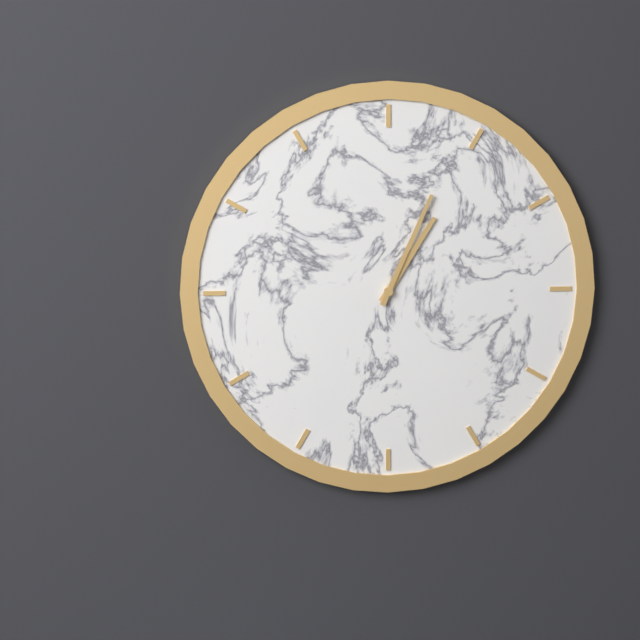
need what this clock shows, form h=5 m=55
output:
h=1 m=4
